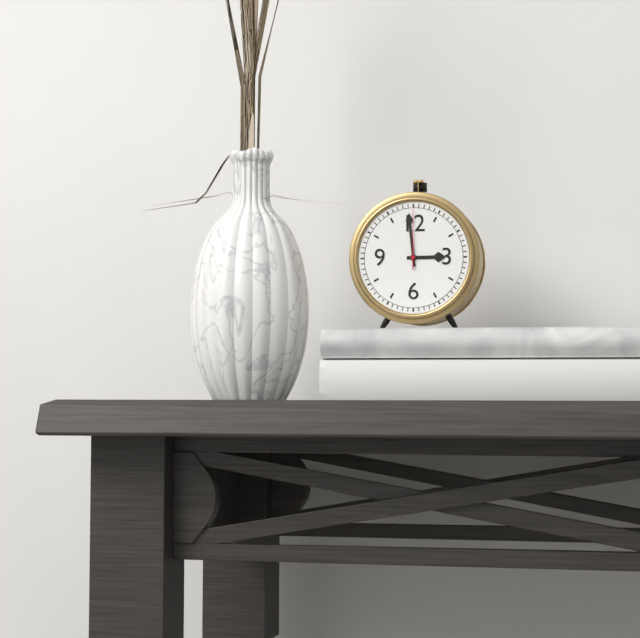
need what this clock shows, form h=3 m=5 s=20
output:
h=2 m=59 s=0
